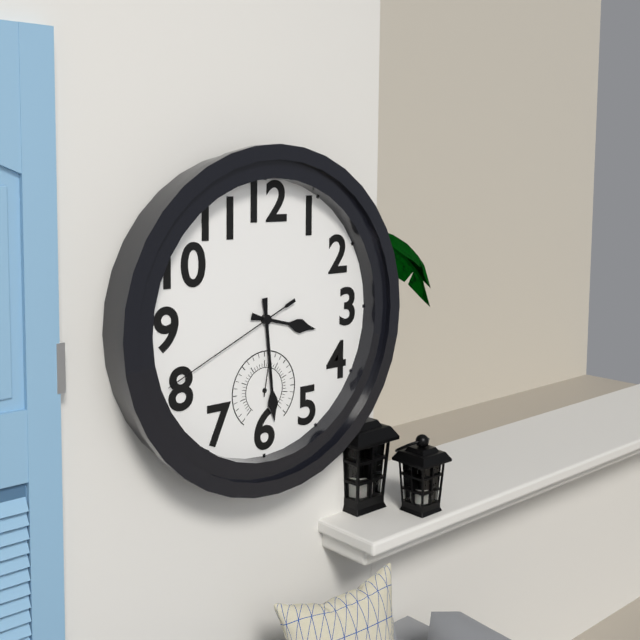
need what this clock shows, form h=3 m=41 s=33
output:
h=3 m=29 s=41
